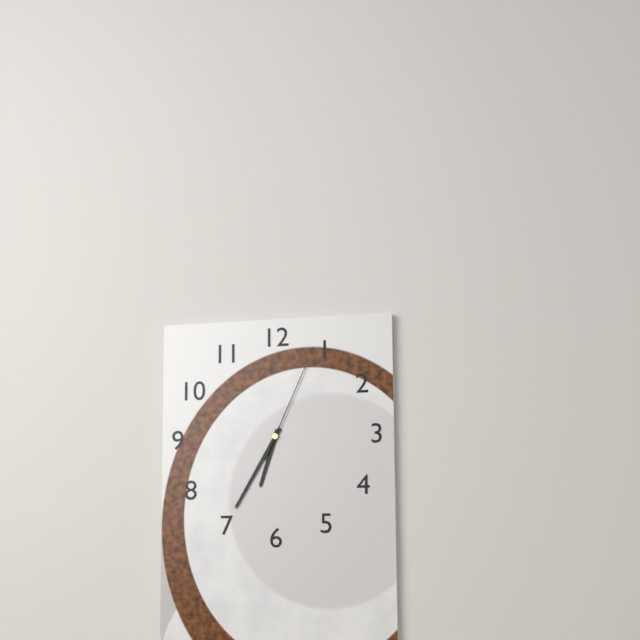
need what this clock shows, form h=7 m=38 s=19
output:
h=6 m=35 s=4
